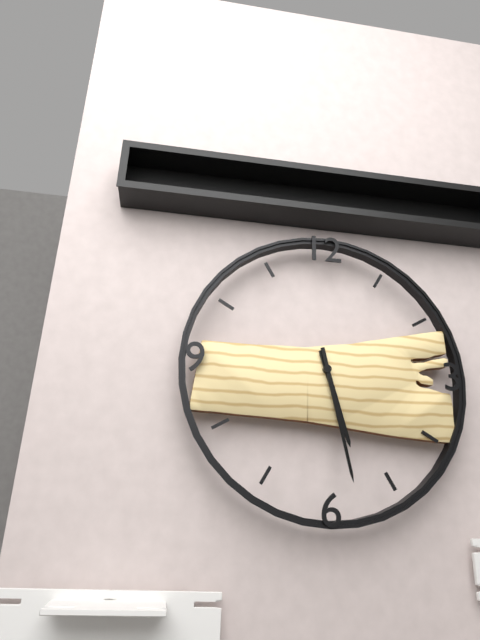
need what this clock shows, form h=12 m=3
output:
h=5 m=28
